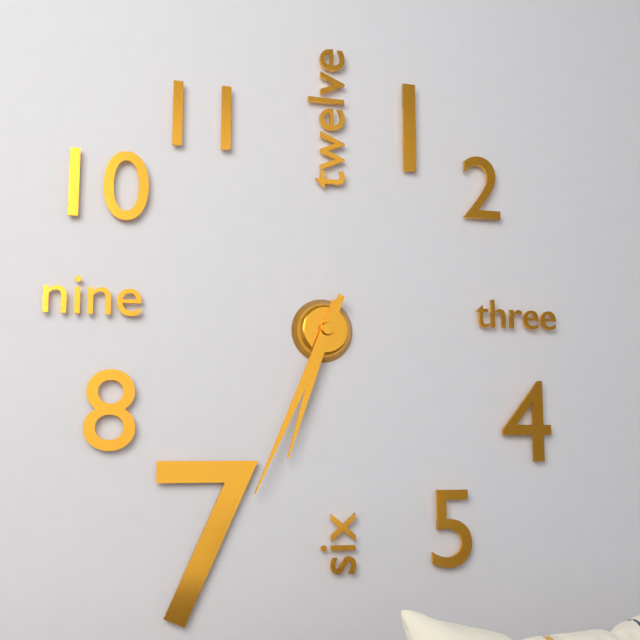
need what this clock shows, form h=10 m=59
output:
h=6 m=34
